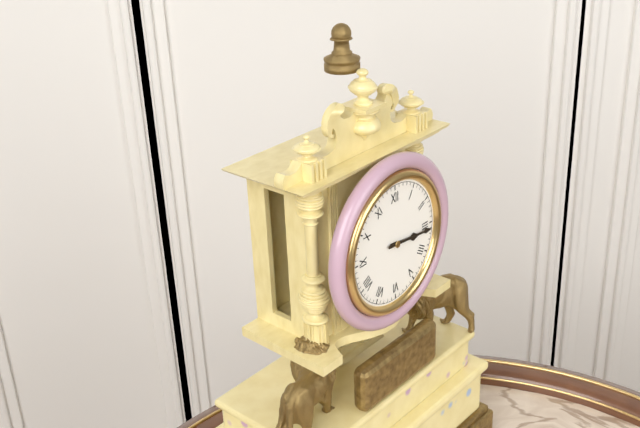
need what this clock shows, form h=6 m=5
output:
h=3 m=16
